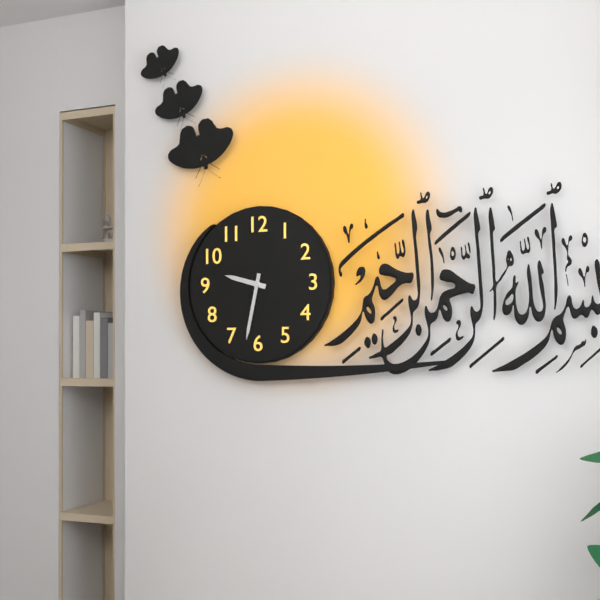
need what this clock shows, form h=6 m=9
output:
h=9 m=32
